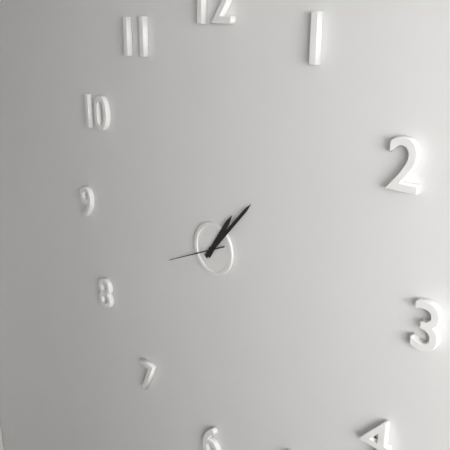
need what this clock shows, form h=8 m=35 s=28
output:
h=1 m=7 s=41
